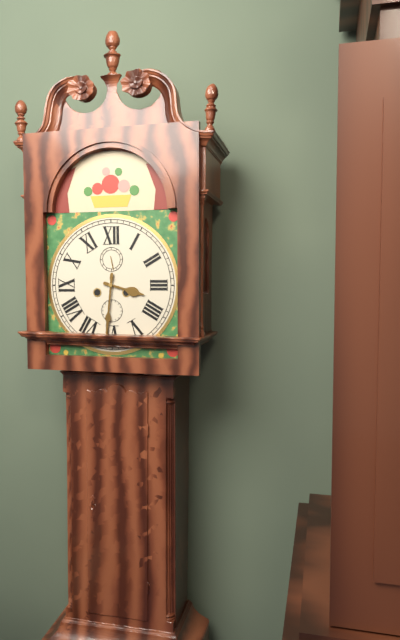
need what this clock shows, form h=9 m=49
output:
h=3 m=31
